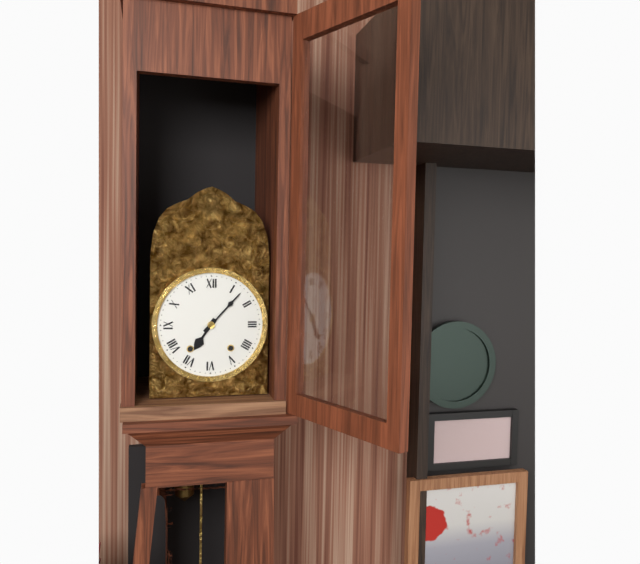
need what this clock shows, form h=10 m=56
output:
h=7 m=7
